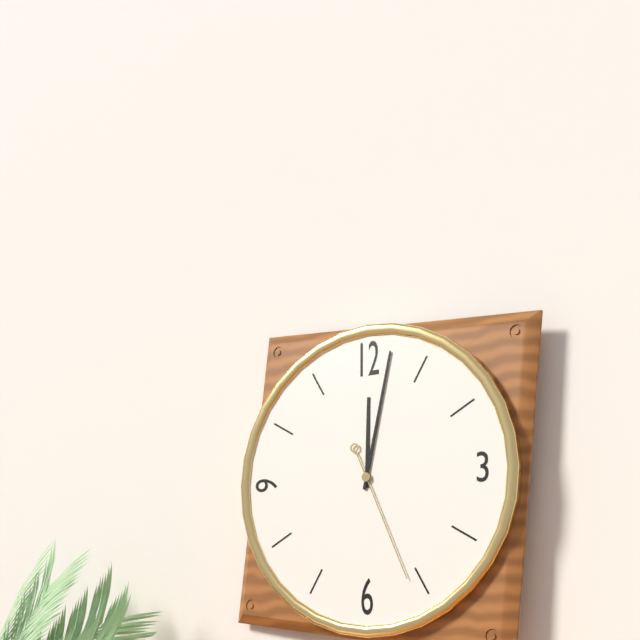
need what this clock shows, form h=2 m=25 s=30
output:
h=12 m=2 s=26
